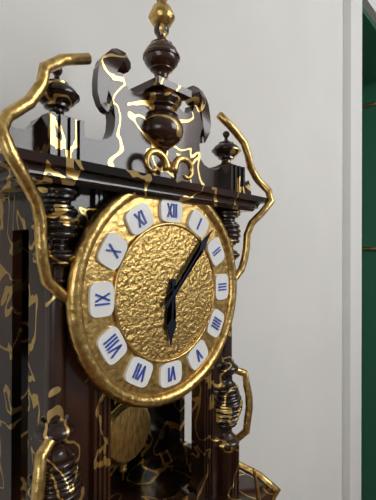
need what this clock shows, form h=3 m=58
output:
h=6 m=7
